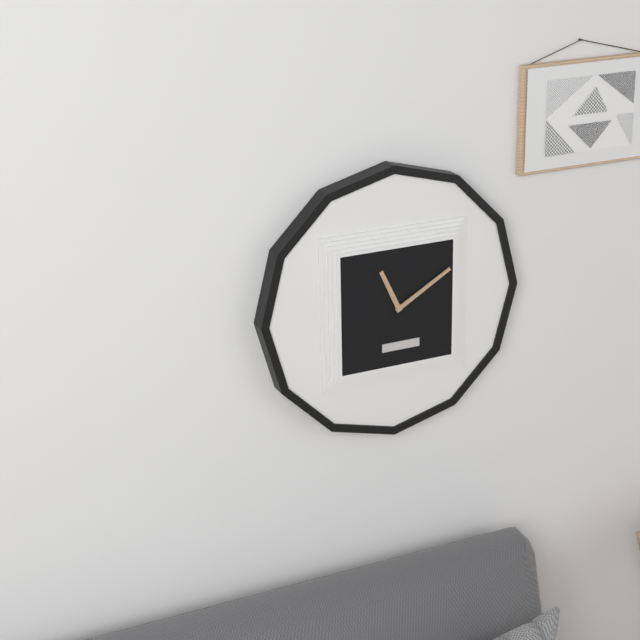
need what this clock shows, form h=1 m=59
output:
h=11 m=10
